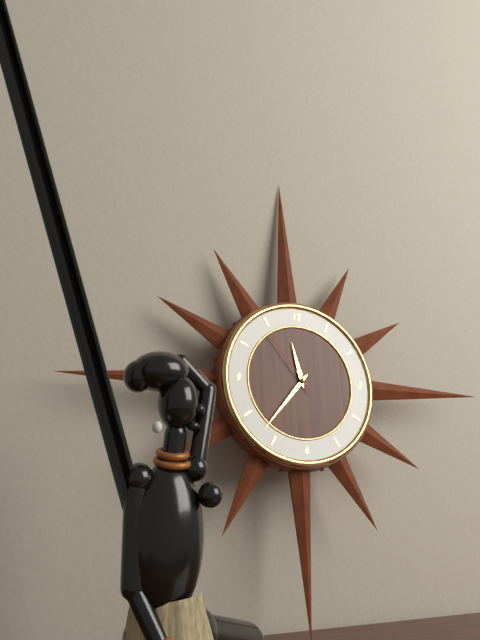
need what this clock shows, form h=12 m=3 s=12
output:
h=11 m=37 s=54
